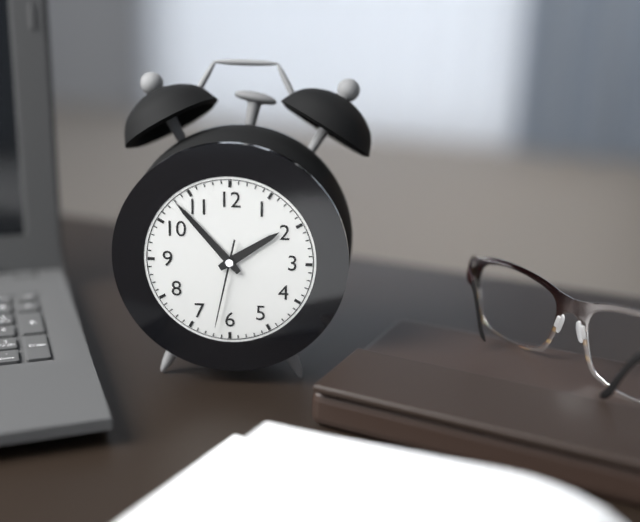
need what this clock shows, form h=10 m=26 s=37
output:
h=1 m=53 s=32
